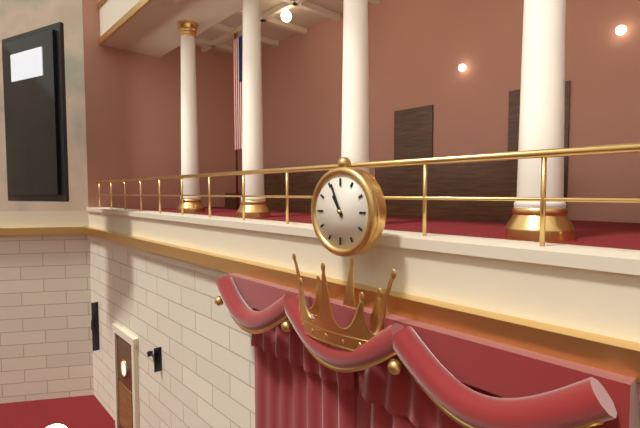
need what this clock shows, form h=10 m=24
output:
h=10 m=56
